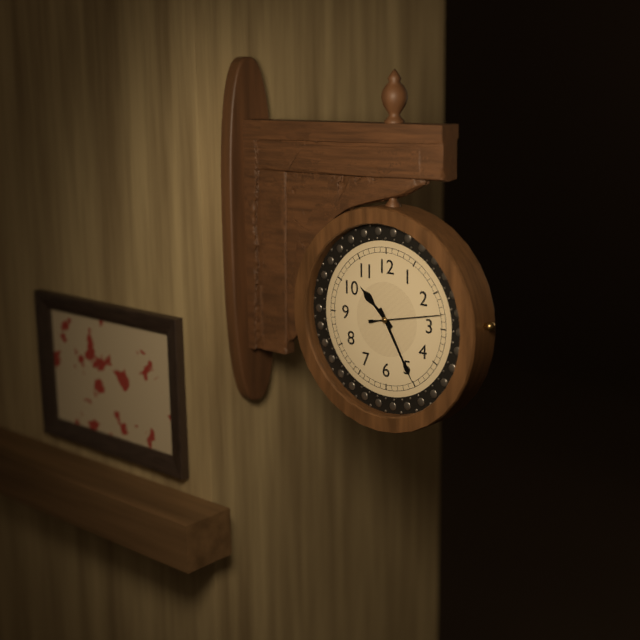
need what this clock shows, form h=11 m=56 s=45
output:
h=10 m=25 s=13
